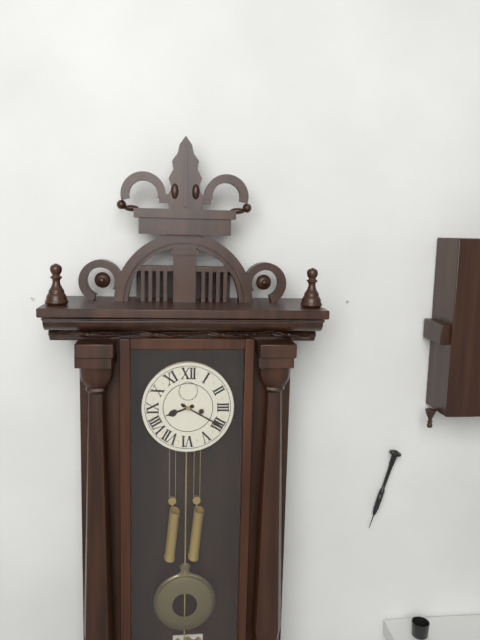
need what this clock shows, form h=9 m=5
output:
h=8 m=20
